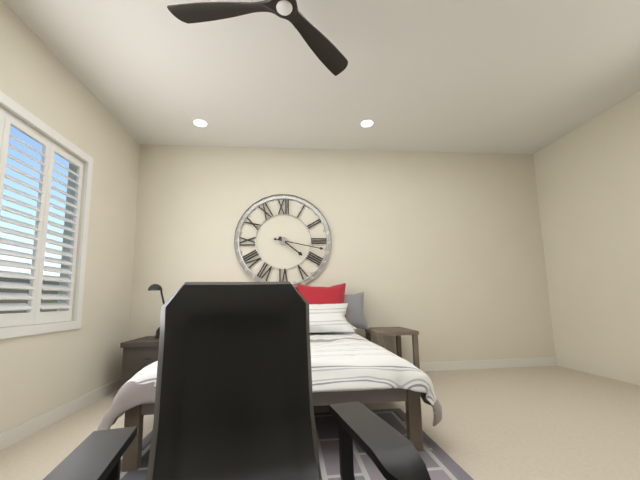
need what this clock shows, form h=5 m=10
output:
h=4 m=17
